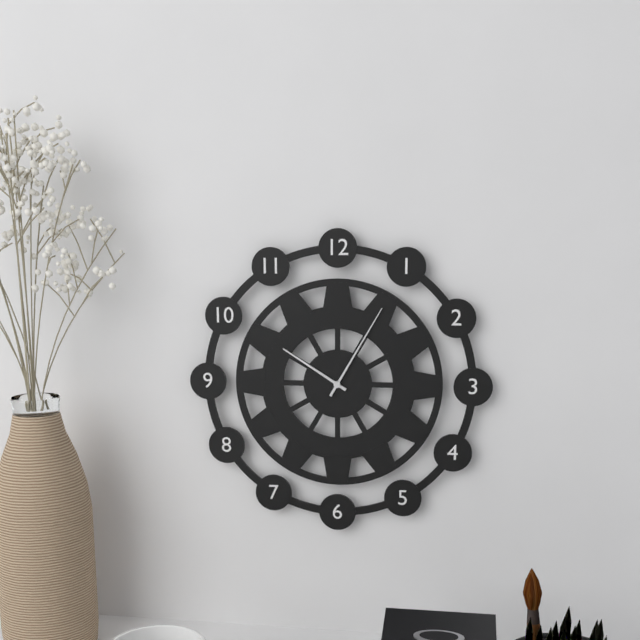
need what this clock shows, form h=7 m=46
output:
h=10 m=5
